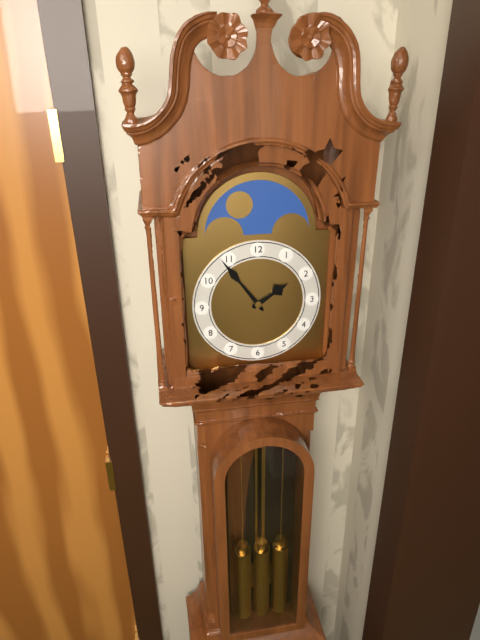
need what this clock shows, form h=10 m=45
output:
h=1 m=54
